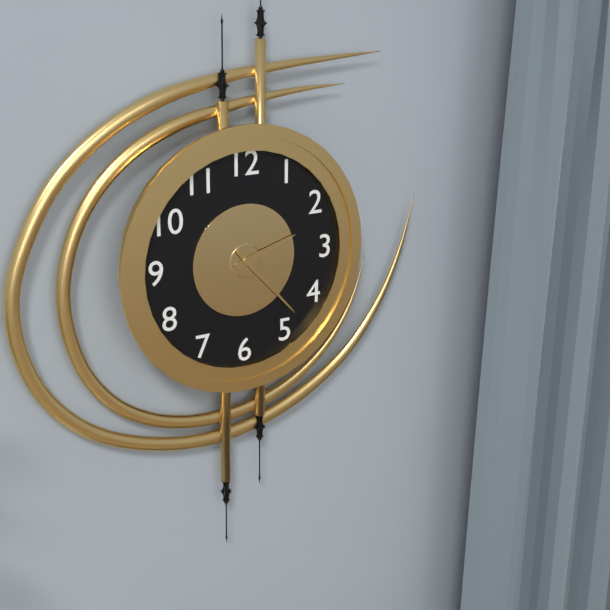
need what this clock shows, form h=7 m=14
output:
h=2 m=23
